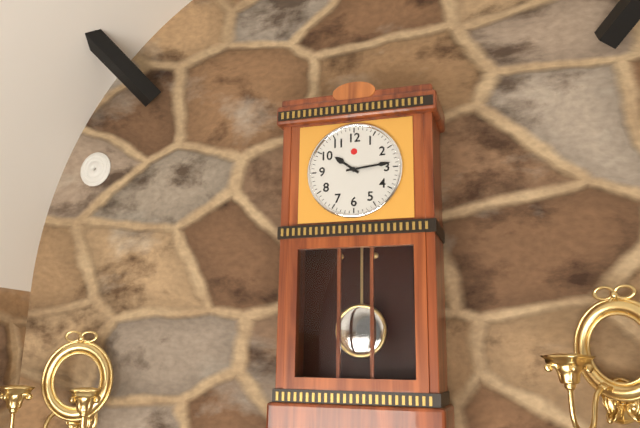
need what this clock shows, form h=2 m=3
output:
h=10 m=14
